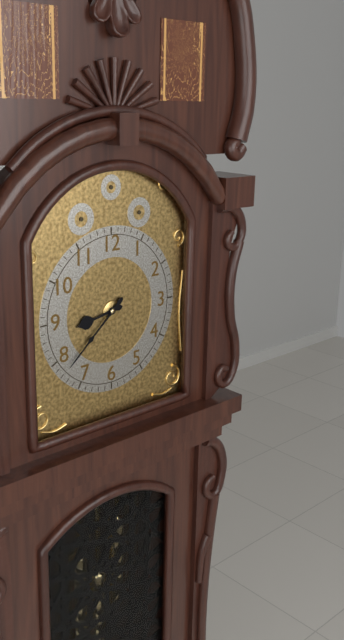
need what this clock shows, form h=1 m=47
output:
h=8 m=38
